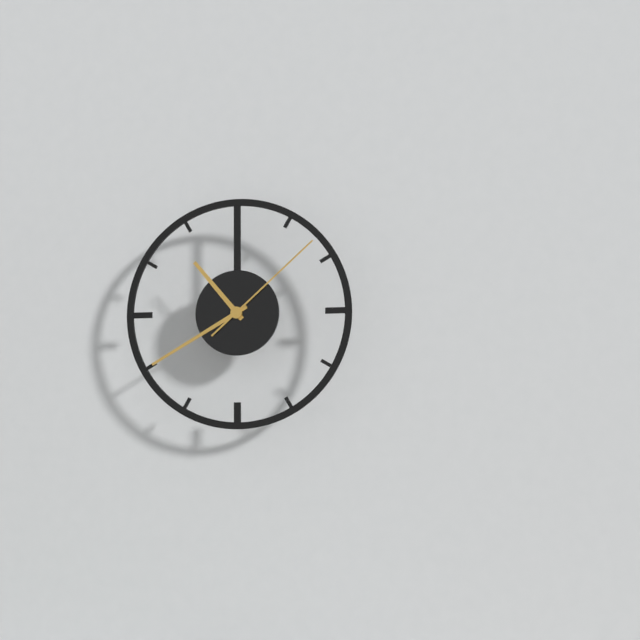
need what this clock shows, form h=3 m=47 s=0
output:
h=10 m=40 s=8
